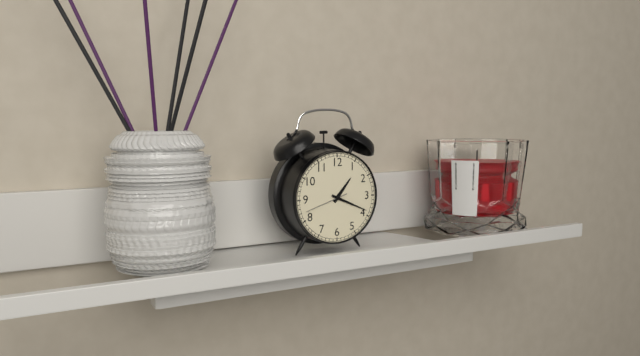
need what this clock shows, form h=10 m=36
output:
h=1 m=19
